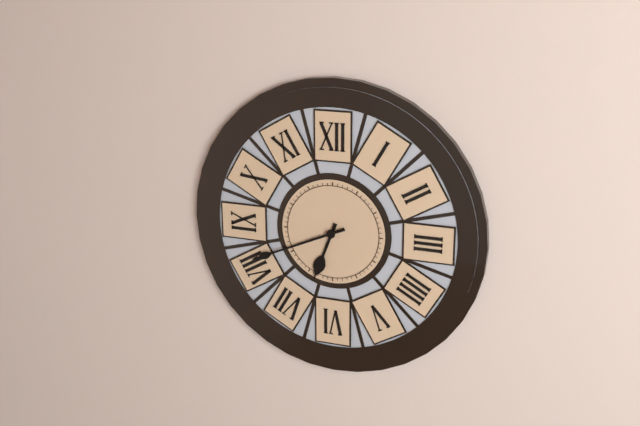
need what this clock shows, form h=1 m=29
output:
h=6 m=41
